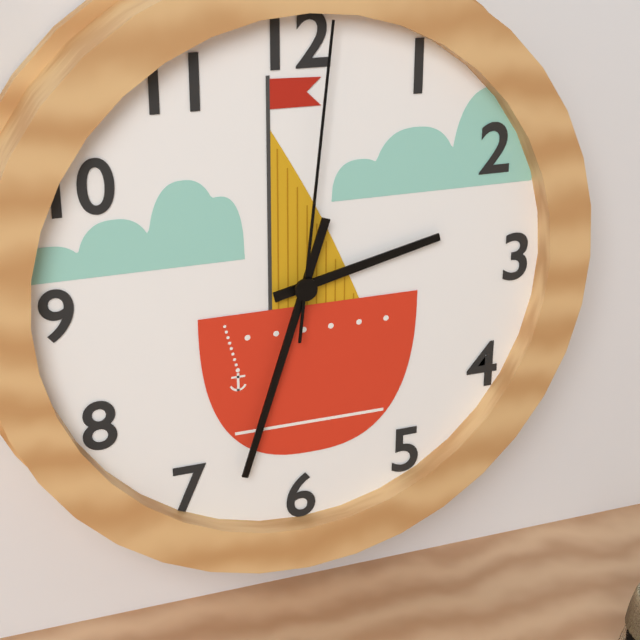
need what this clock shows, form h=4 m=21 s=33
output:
h=2 m=33 s=1
